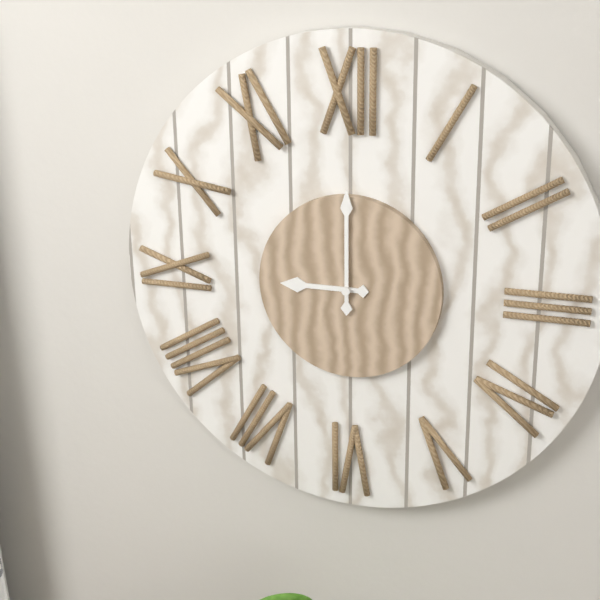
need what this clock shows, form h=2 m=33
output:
h=9 m=0
